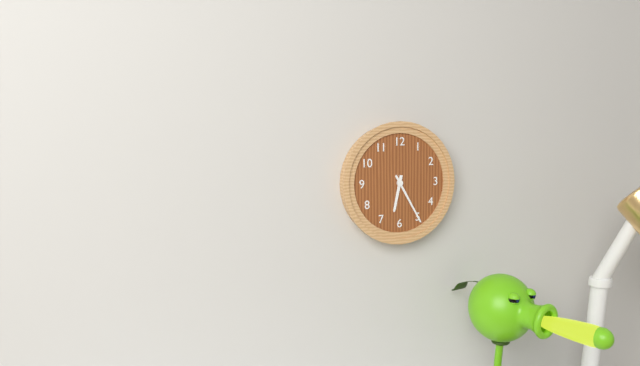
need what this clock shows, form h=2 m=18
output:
h=6 m=25
